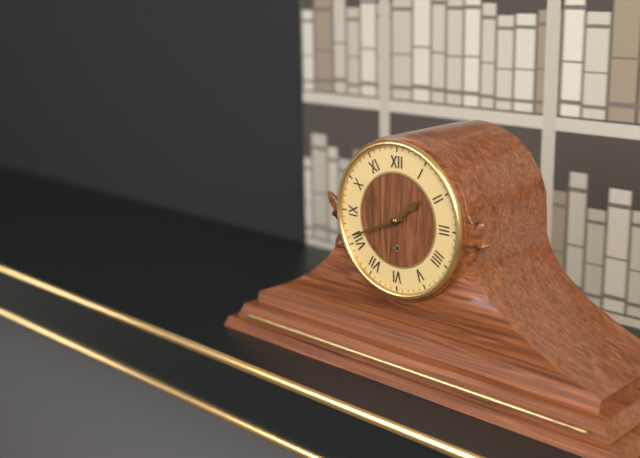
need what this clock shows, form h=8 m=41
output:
h=1 m=41
